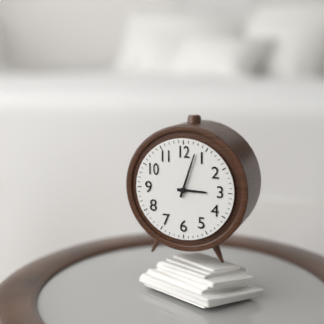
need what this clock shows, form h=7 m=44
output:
h=3 m=3
